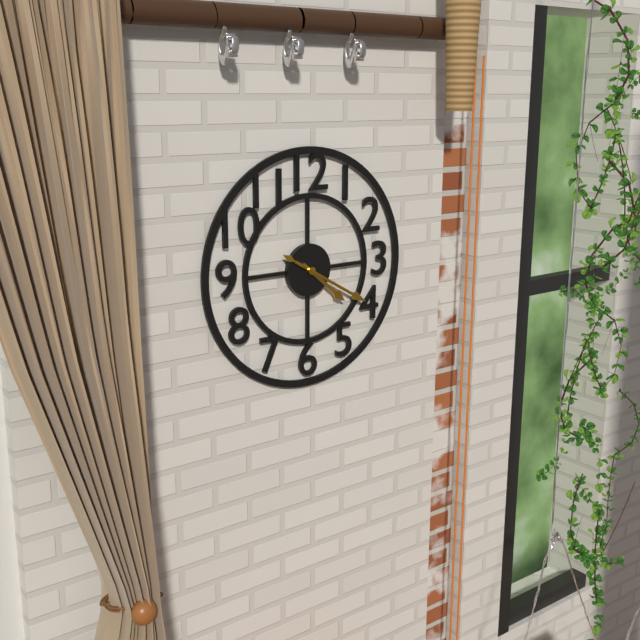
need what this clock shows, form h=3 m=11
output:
h=4 m=20
